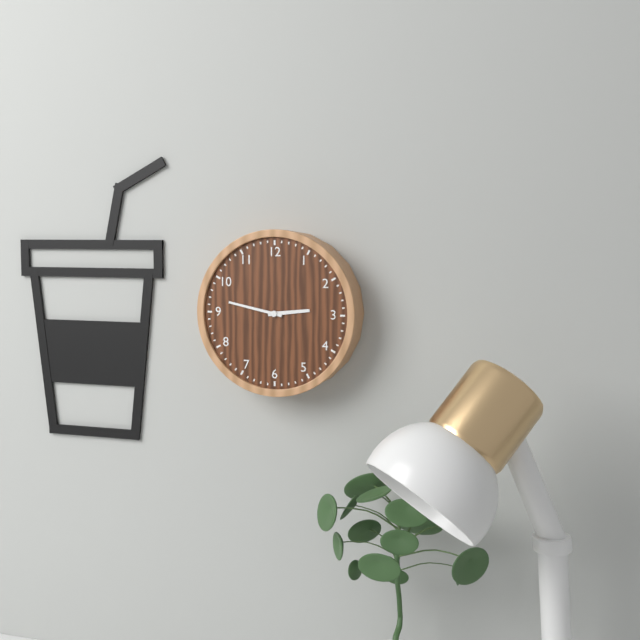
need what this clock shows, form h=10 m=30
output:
h=2 m=47
